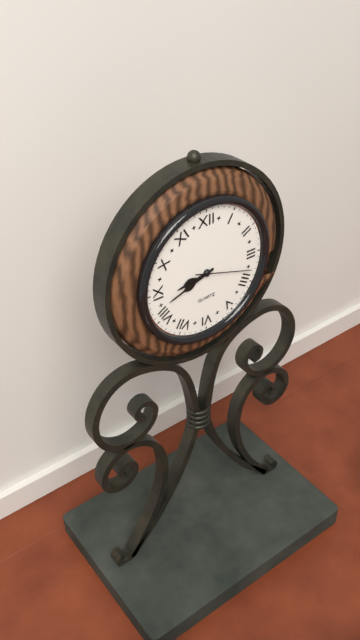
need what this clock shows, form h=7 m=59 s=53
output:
h=8 m=42 s=18
